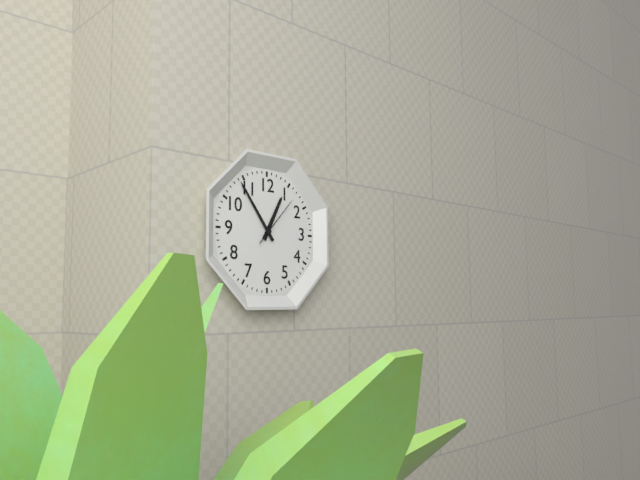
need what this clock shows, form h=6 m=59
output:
h=12 m=54
